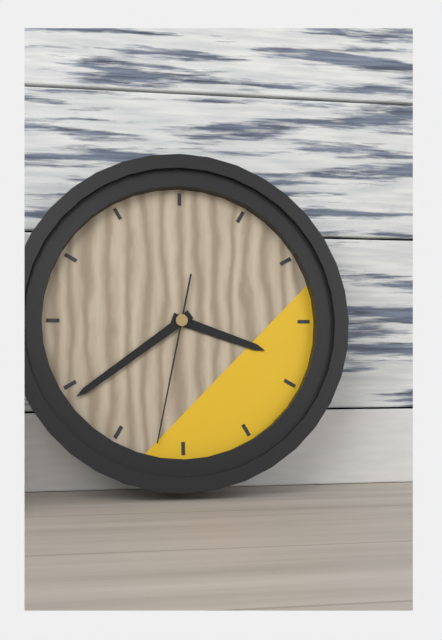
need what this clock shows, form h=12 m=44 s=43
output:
h=3 m=39 s=32
